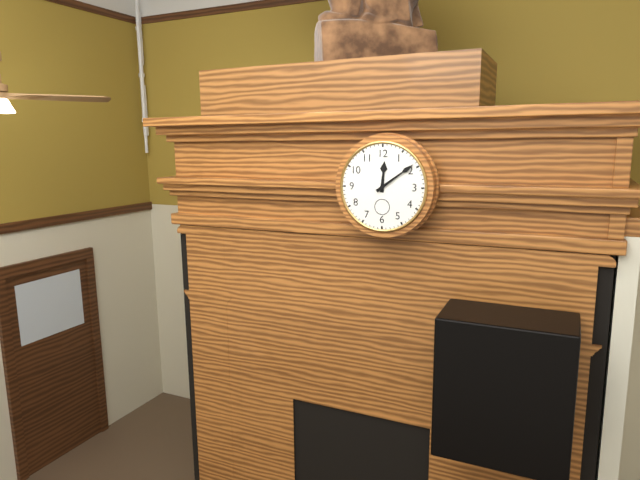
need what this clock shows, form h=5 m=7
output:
h=12 m=9
